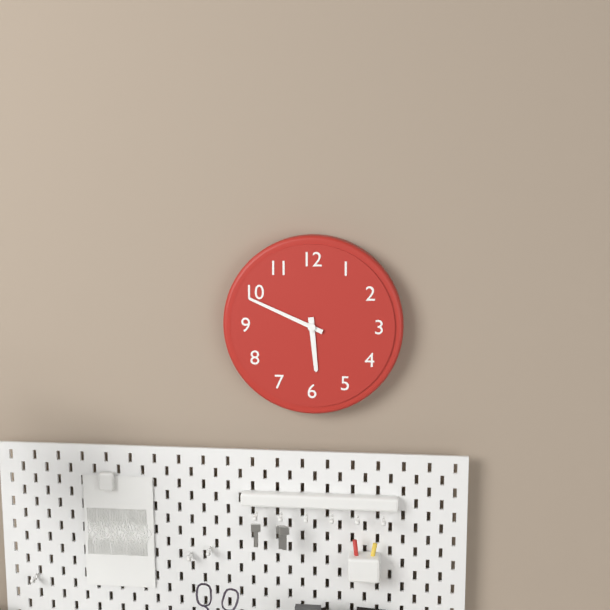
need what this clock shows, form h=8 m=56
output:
h=5 m=49
